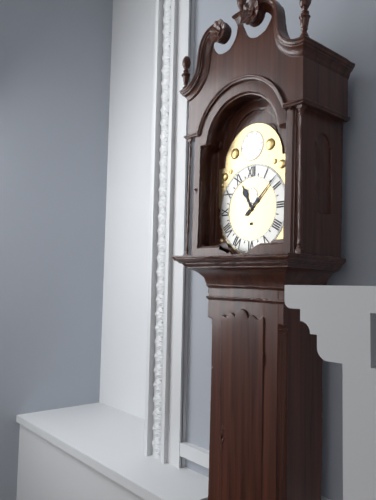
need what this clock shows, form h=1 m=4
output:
h=11 m=8
